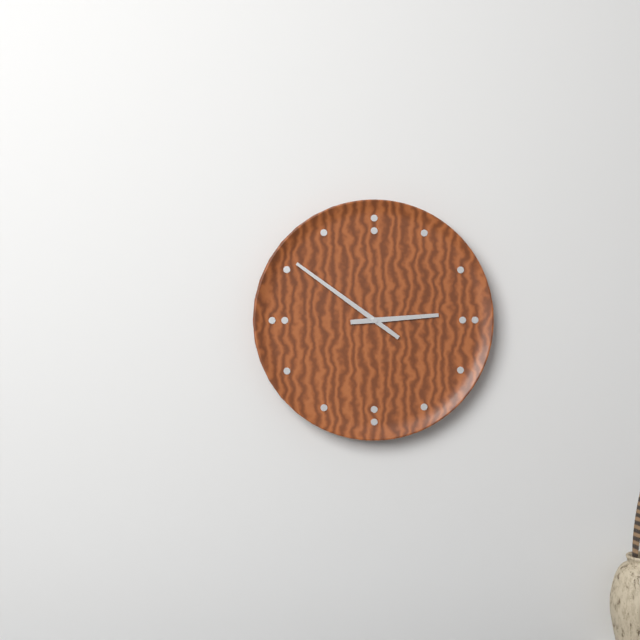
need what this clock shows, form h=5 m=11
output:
h=2 m=51
